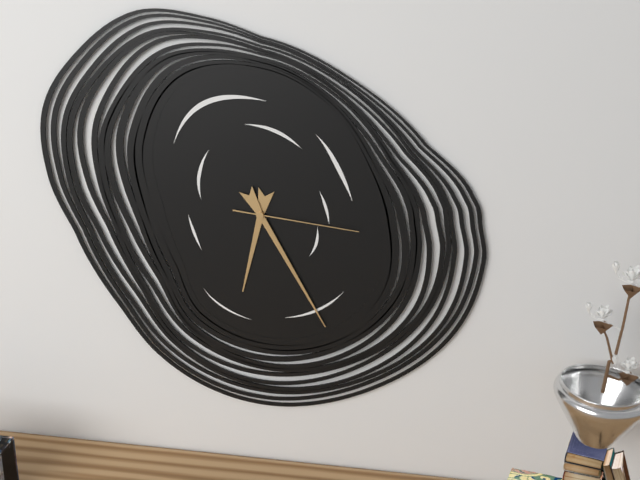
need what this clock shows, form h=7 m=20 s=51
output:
h=6 m=25 s=16
